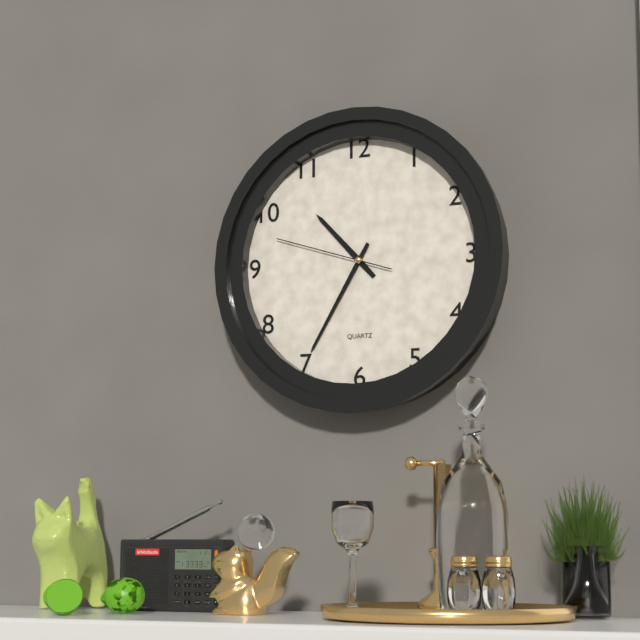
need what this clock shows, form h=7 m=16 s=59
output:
h=10 m=35 s=48
